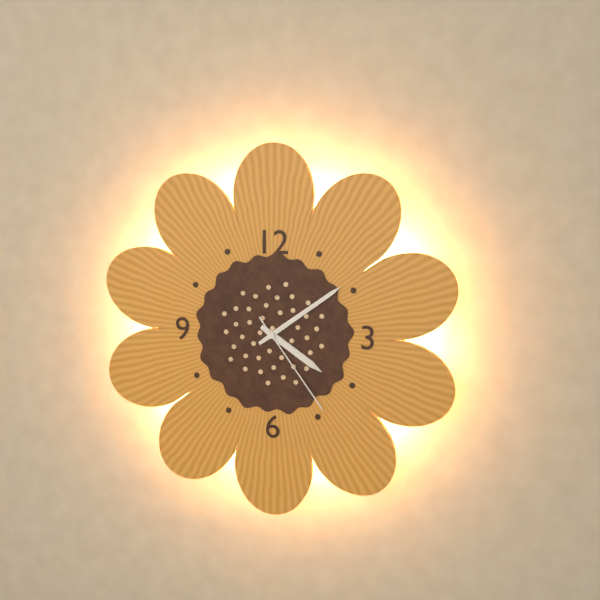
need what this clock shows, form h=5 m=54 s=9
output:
h=4 m=9 s=24
